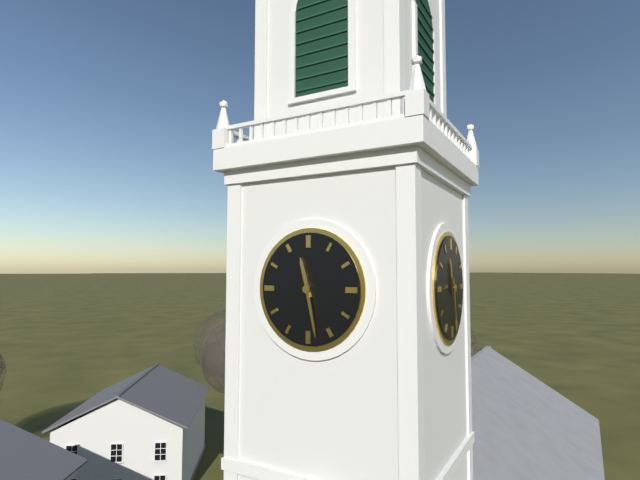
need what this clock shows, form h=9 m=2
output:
h=11 m=28
